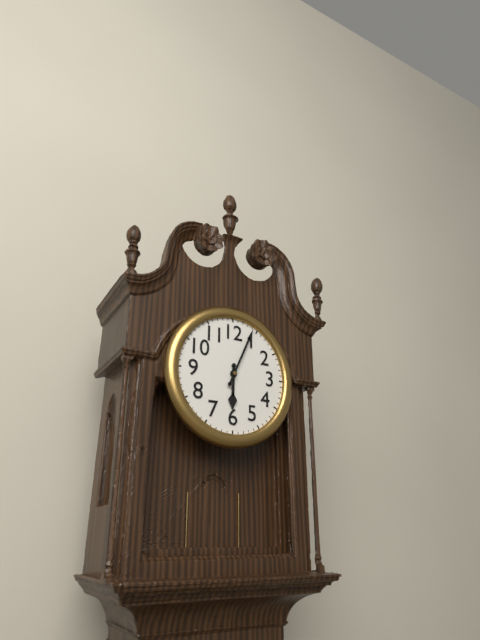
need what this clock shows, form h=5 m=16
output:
h=6 m=4
